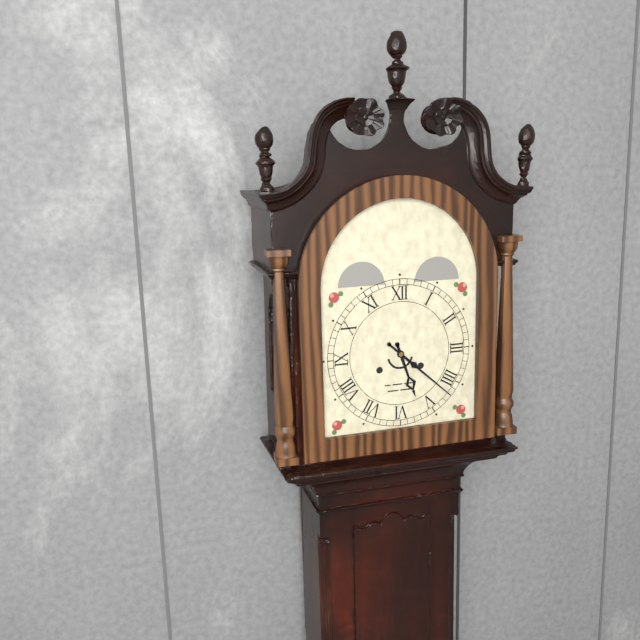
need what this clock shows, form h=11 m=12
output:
h=5 m=22
